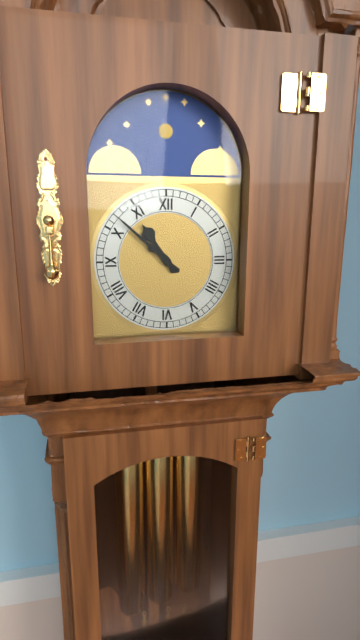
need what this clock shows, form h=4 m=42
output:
h=10 m=52
